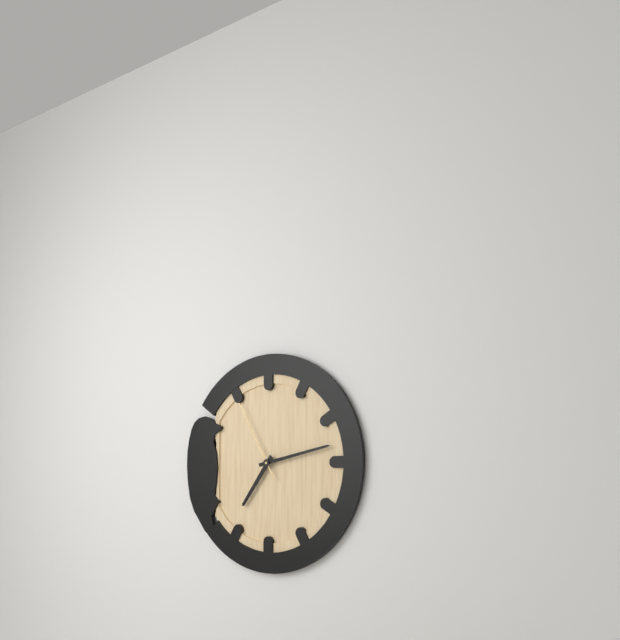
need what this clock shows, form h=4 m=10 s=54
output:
h=7 m=13 s=55
